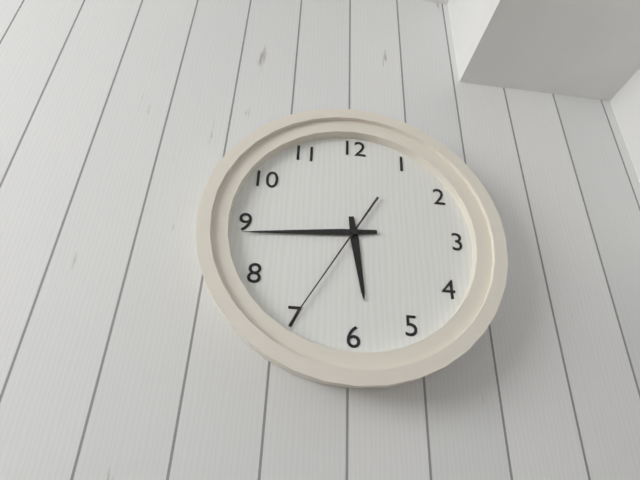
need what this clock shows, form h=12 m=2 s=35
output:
h=5 m=44 s=35
